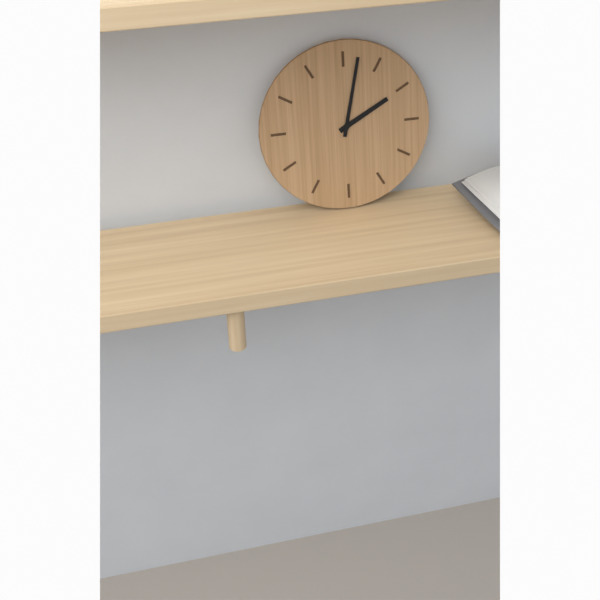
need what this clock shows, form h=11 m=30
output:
h=2 m=2
